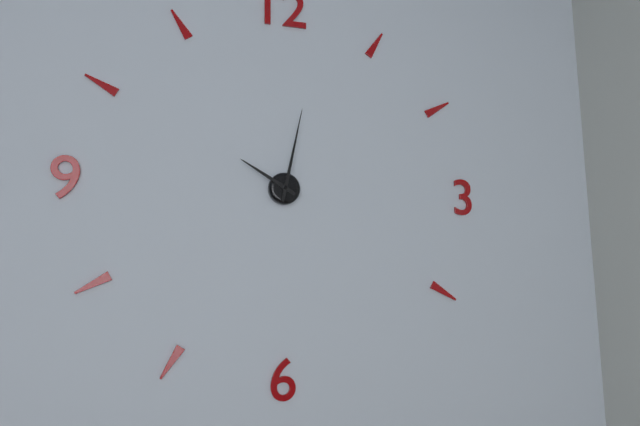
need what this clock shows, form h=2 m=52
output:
h=10 m=2
